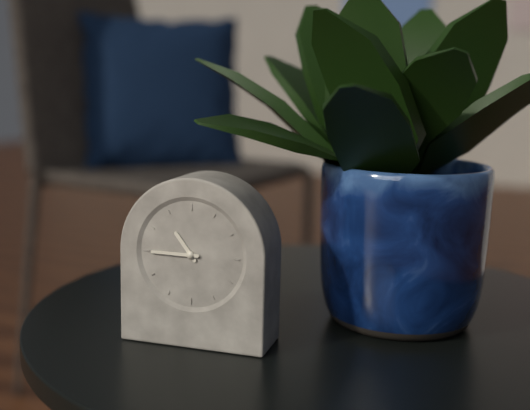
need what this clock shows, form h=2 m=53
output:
h=10 m=45
